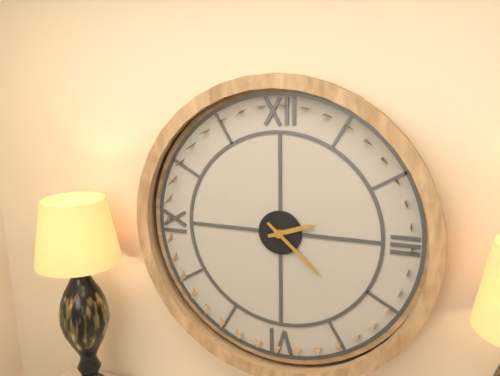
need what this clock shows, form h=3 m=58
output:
h=2 m=22
